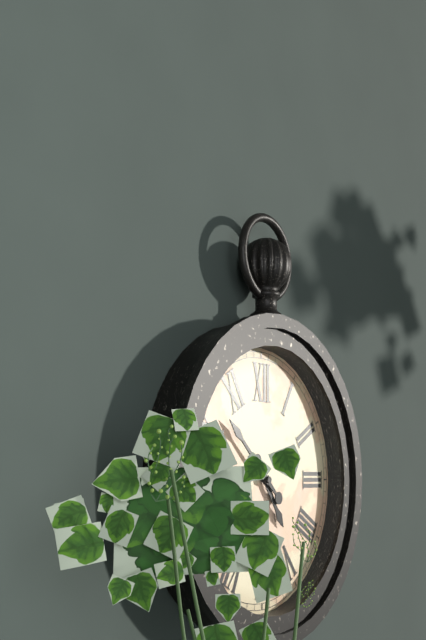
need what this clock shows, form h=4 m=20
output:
h=4 m=52
